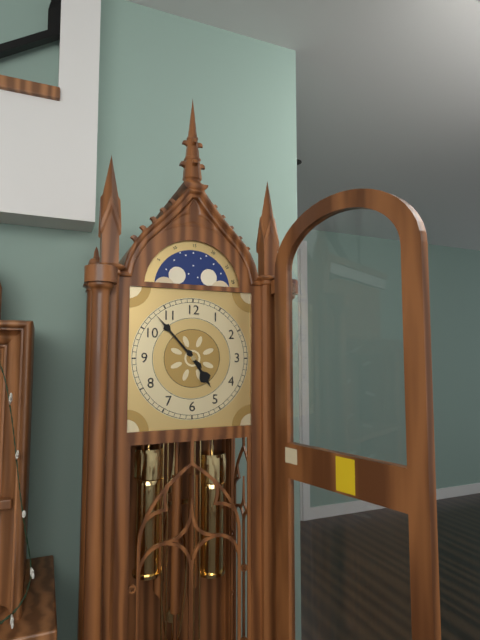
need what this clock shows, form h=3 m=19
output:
h=4 m=53
